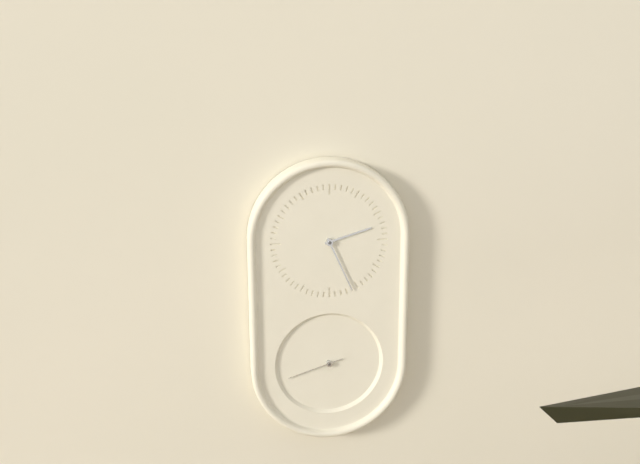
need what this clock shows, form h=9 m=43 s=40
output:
h=2 m=26 s=42
